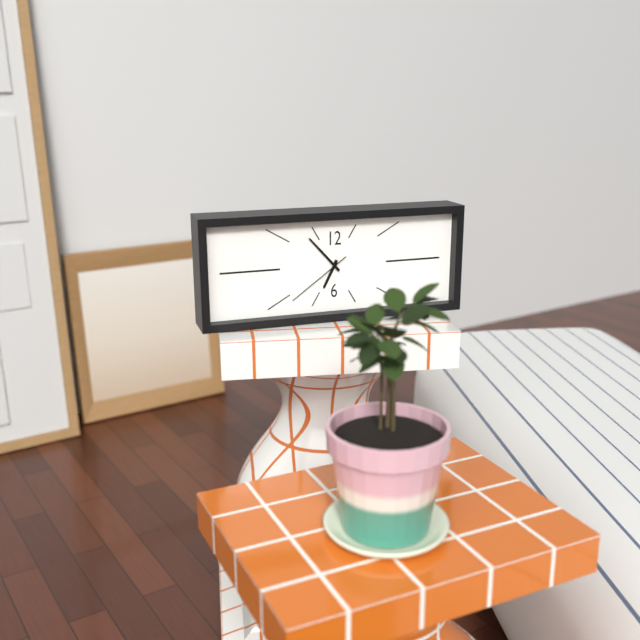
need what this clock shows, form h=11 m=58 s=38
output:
h=6 m=53 s=39
